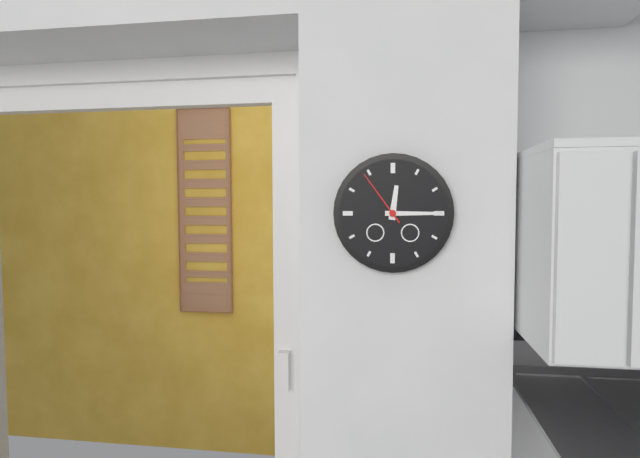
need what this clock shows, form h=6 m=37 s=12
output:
h=12 m=15 s=54
